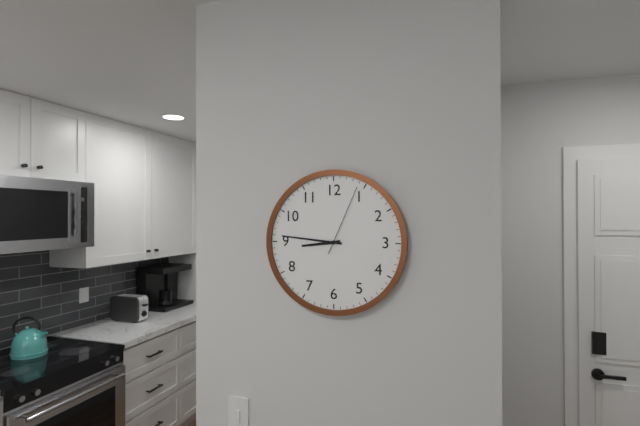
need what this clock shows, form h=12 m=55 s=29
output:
h=8 m=46 s=4
